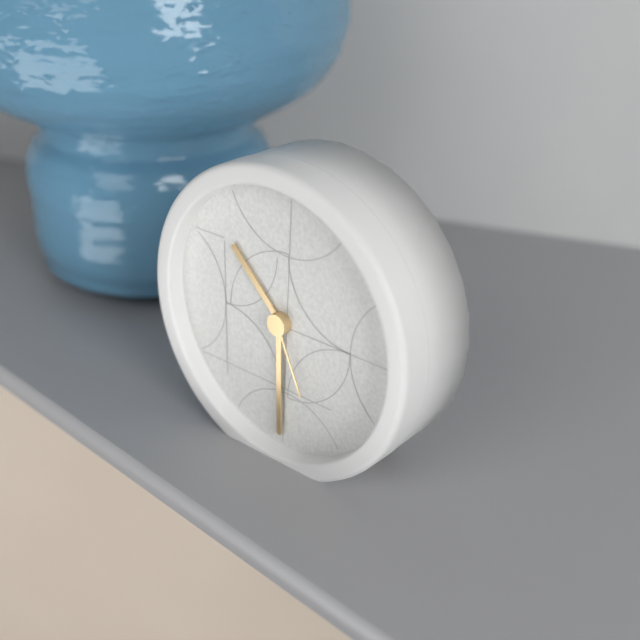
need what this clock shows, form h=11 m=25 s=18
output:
h=10 m=30 s=26
